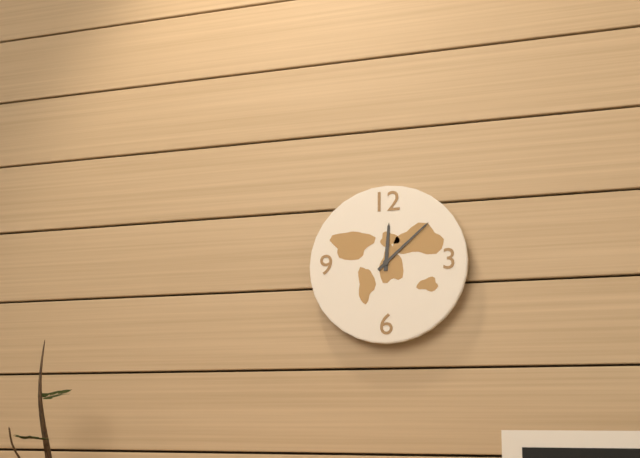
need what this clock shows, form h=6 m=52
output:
h=12 m=8
